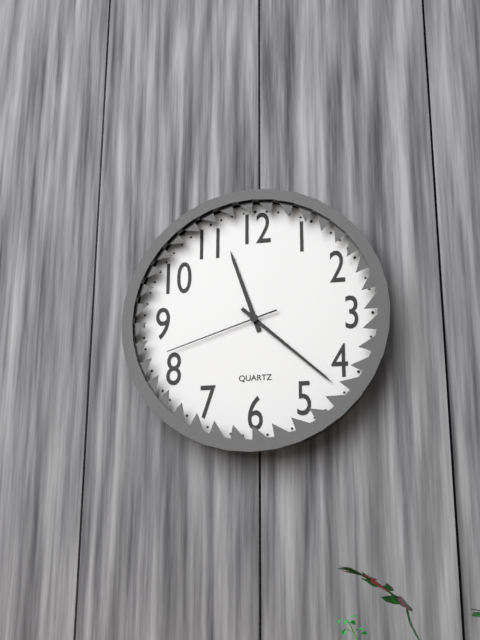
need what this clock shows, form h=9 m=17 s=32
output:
h=11 m=22 s=42
